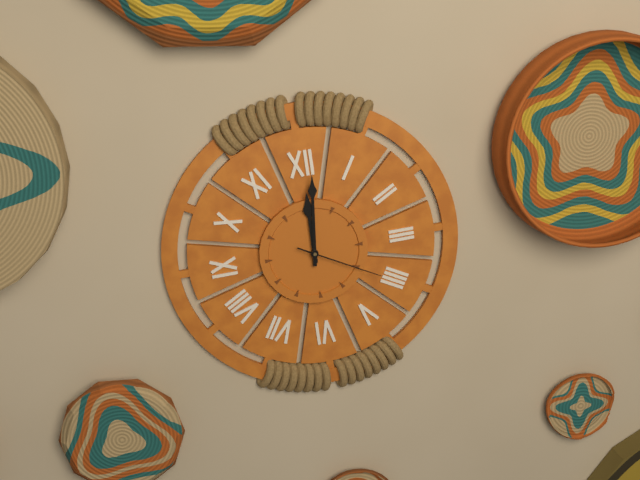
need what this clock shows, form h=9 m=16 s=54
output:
h=12 m=1 s=20
